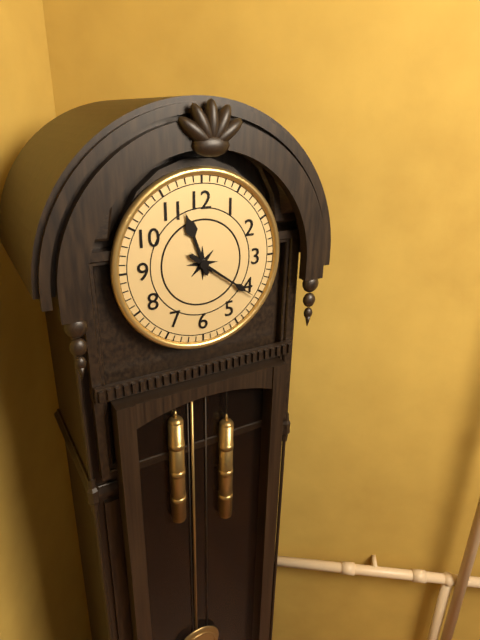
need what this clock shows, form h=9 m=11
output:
h=11 m=21
